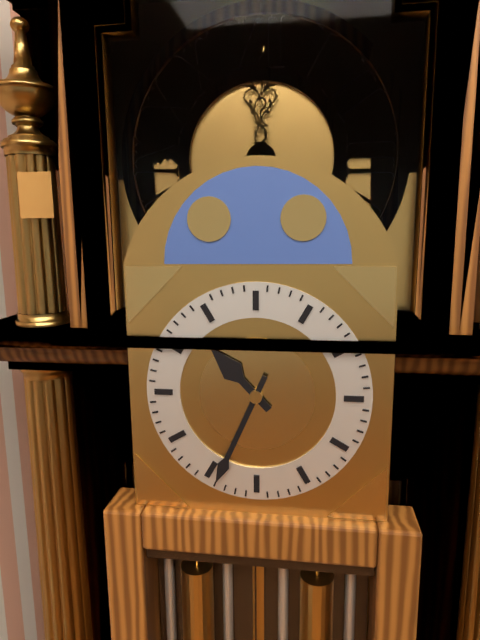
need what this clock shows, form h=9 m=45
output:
h=10 m=34
